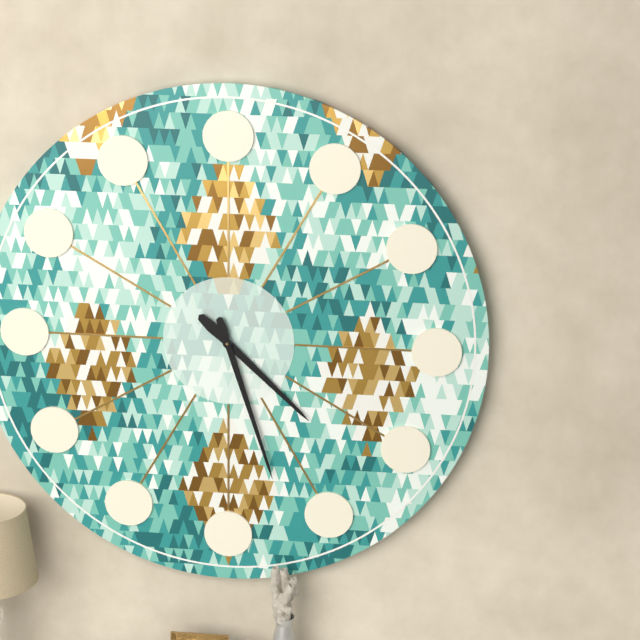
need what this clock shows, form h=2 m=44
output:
h=4 m=27
